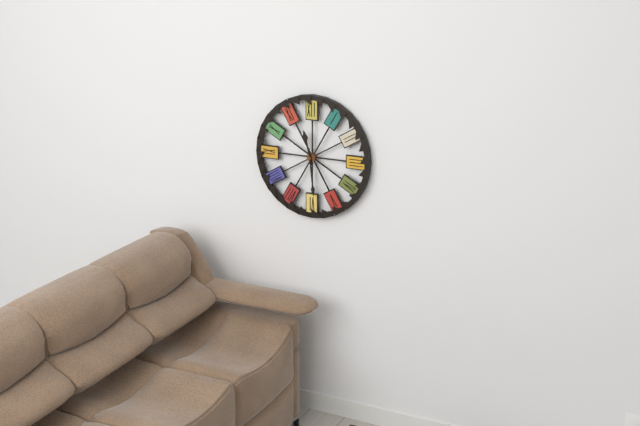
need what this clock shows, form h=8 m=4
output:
h=11 m=29
